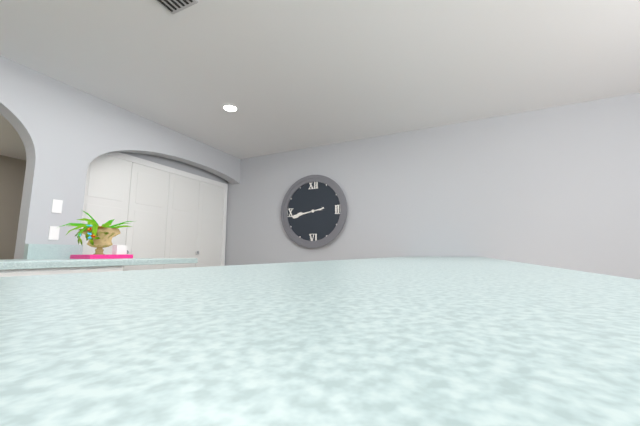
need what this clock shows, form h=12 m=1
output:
h=8 m=43
